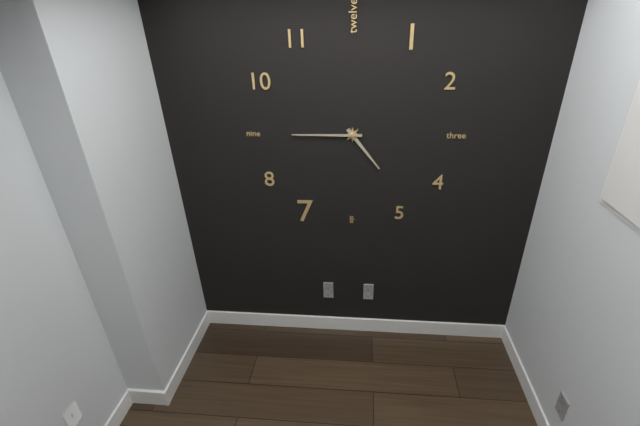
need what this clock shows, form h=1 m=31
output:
h=4 m=45
